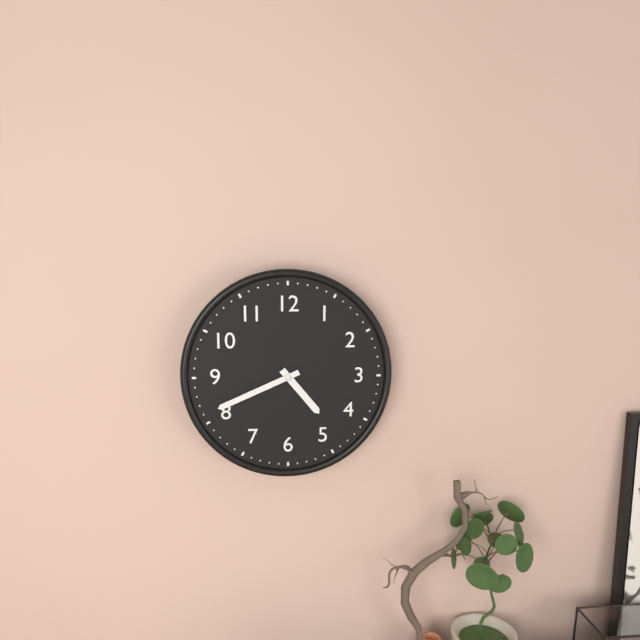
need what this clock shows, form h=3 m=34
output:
h=4 m=41
